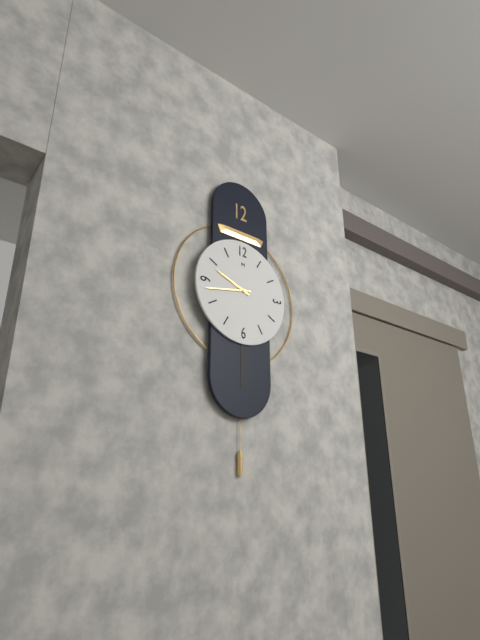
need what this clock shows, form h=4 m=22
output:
h=9 m=43
